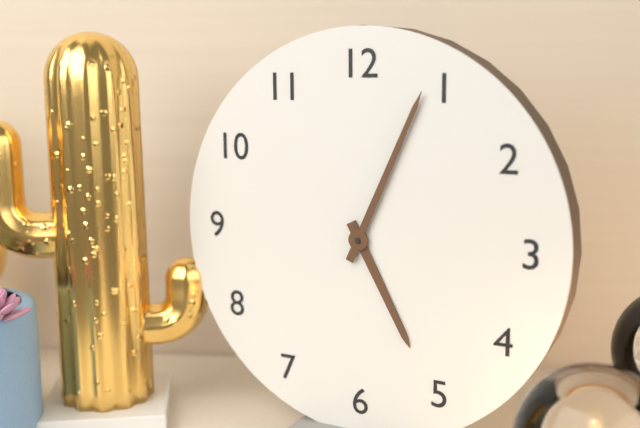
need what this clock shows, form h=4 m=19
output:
h=5 m=4
